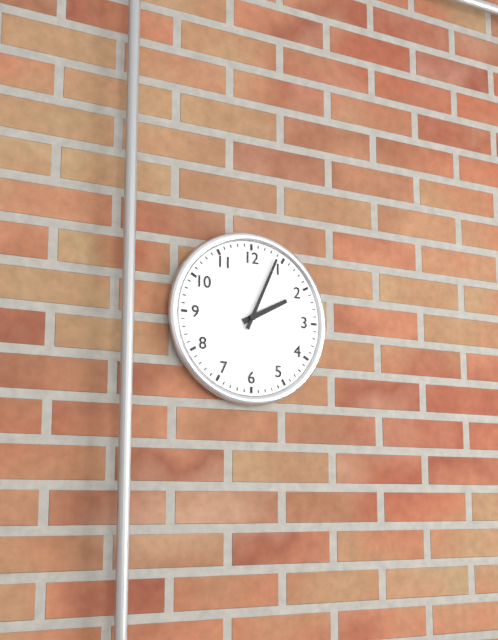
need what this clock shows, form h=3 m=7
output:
h=2 m=4
